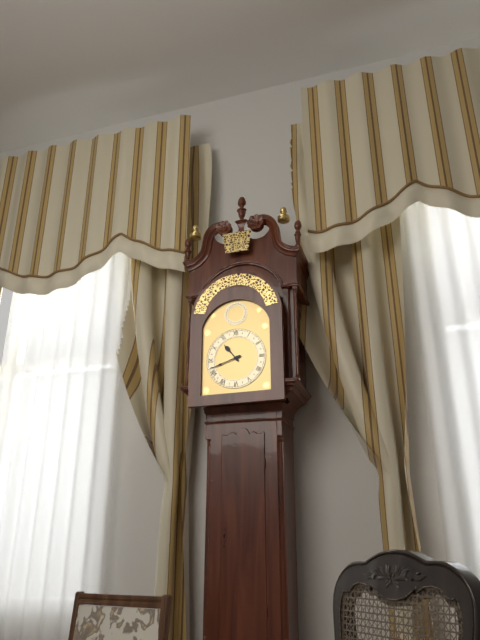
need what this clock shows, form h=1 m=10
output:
h=10 m=42
